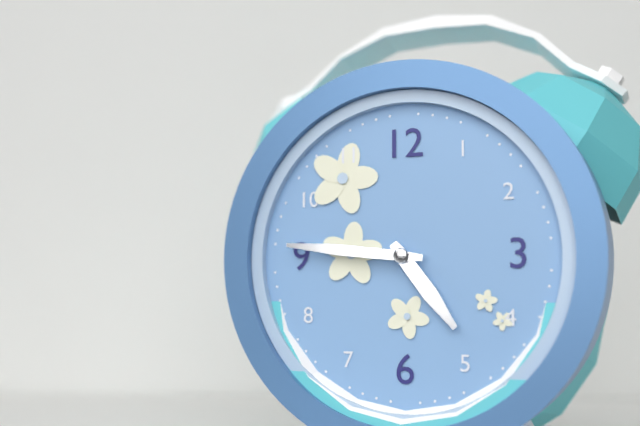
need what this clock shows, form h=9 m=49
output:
h=4 m=46
